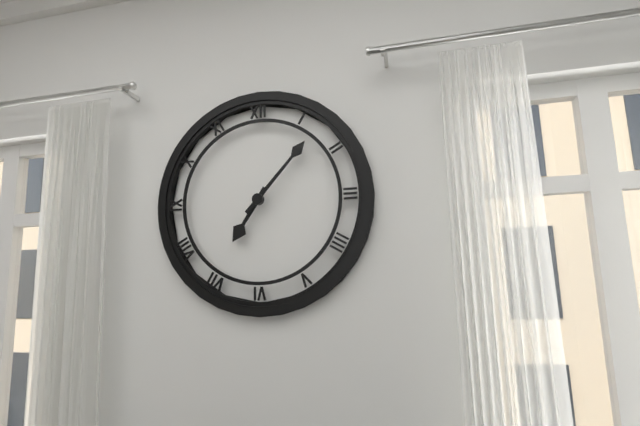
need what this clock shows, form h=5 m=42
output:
h=7 m=7
